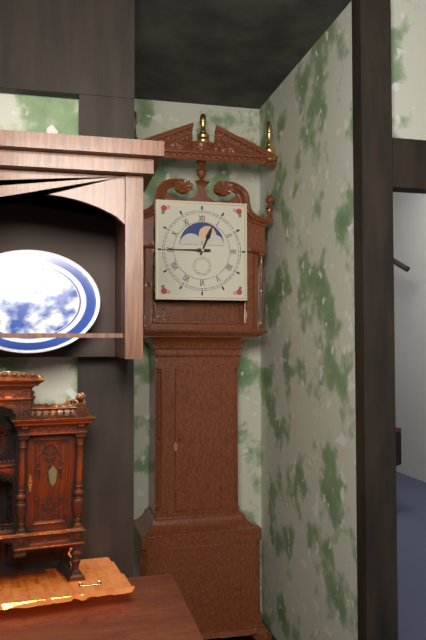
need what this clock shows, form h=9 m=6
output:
h=12 m=45
